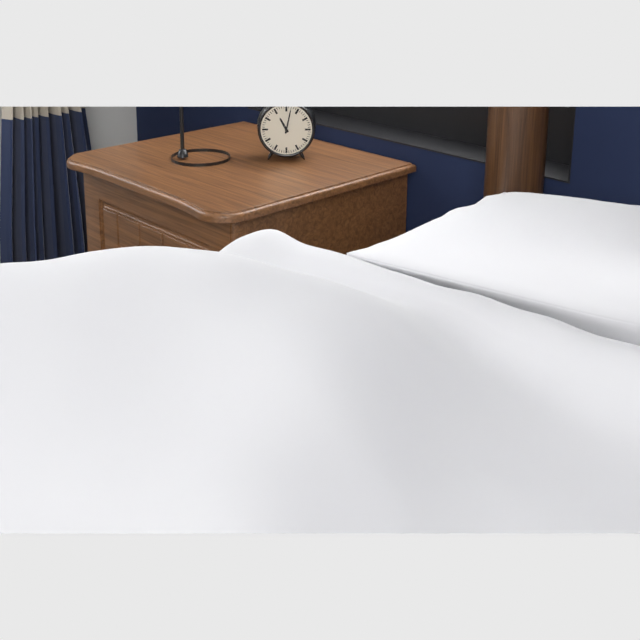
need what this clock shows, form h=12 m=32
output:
h=11 m=2
